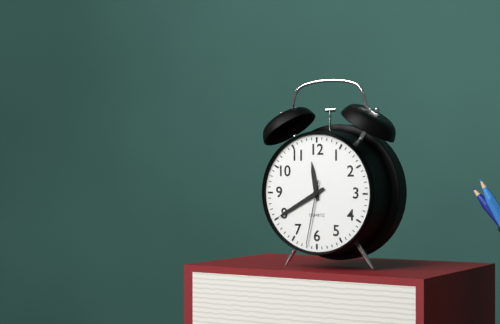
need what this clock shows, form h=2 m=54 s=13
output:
h=11 m=40 s=32
